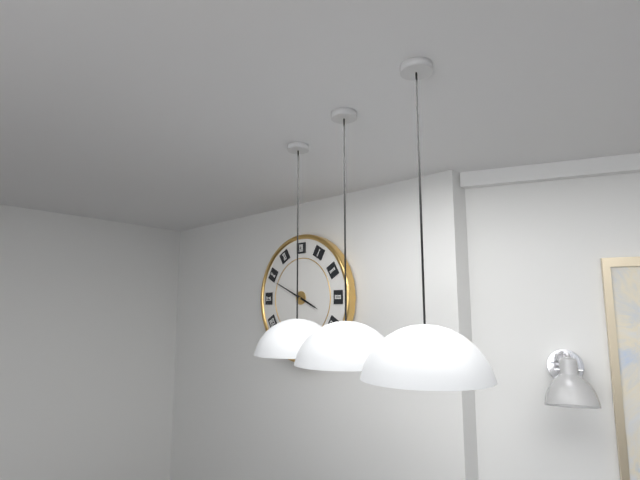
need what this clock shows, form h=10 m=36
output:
h=3 m=49
